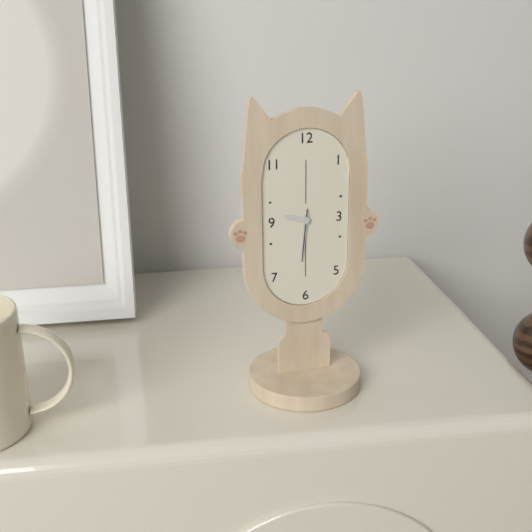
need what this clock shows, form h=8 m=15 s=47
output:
h=9 m=31 s=31
